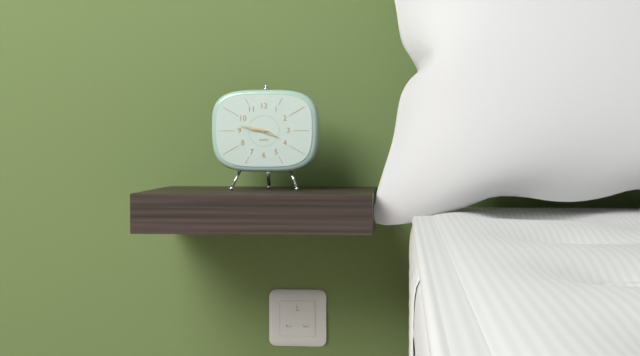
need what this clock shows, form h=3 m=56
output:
h=3 m=47
